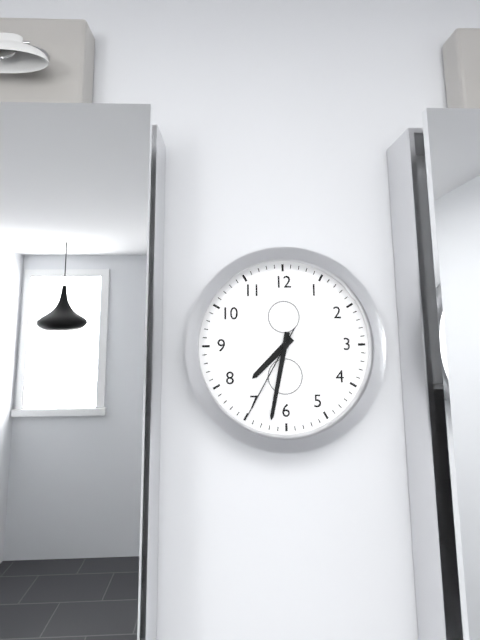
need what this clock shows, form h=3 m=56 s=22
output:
h=7 m=32 s=35
